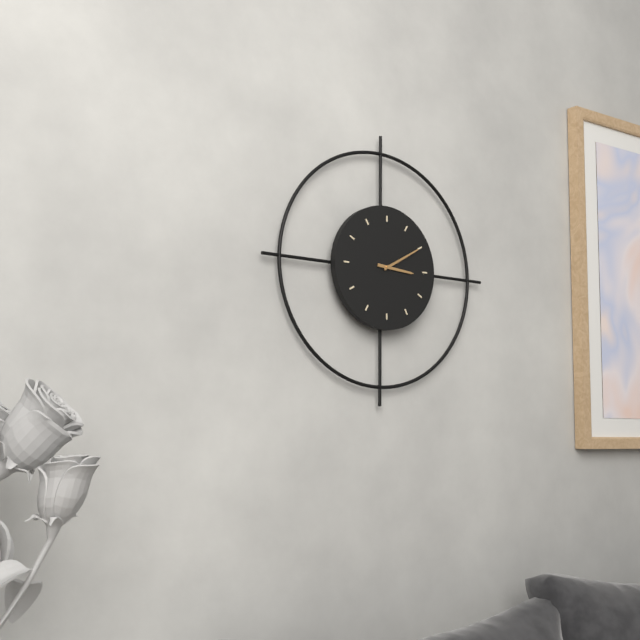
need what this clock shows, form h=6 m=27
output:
h=3 m=10
